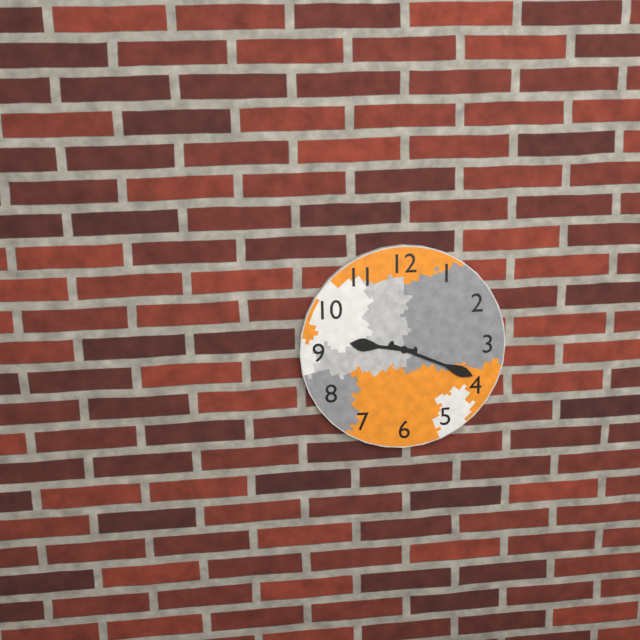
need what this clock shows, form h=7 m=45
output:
h=9 m=19
